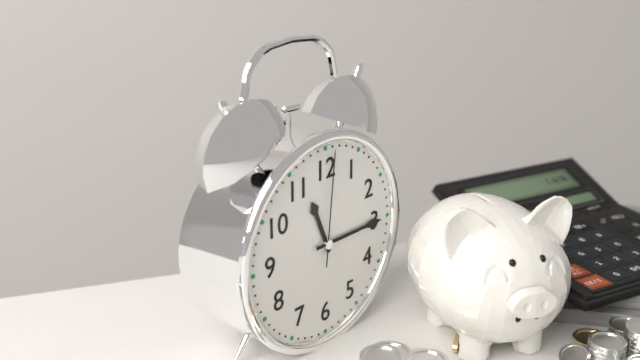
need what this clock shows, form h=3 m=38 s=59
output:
h=11 m=15 s=1
